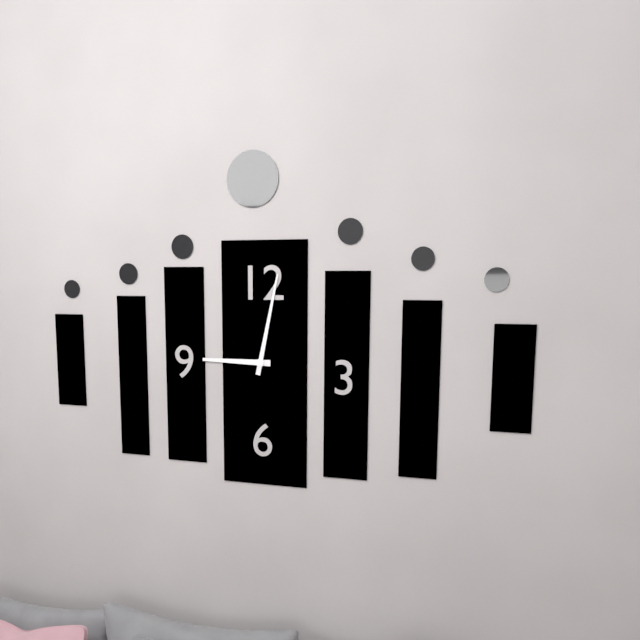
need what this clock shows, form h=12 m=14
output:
h=9 m=2
